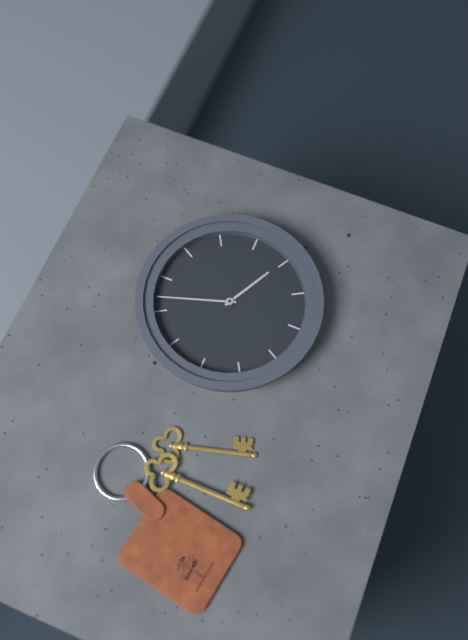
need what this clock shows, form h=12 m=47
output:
h=3 m=57
